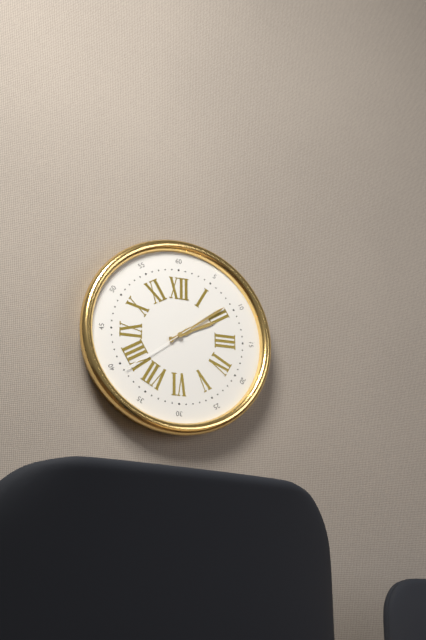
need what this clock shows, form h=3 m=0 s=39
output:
h=2 m=9 s=39
